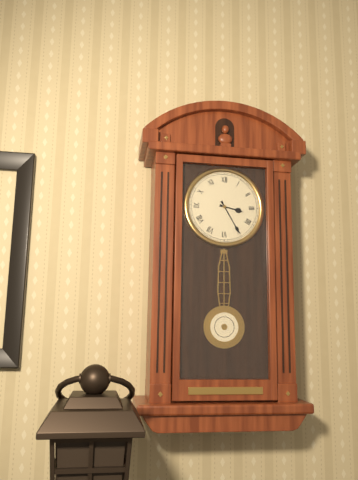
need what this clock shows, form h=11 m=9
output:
h=3 m=25
